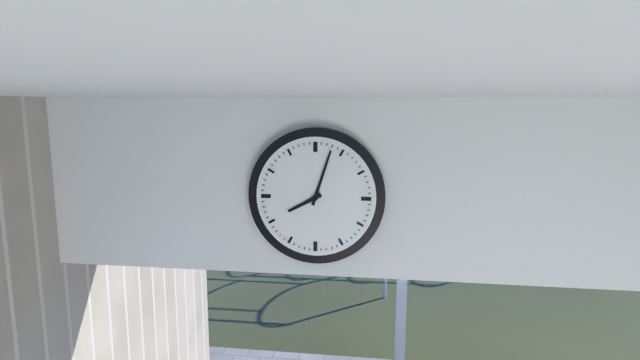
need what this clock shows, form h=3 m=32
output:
h=8 m=3
